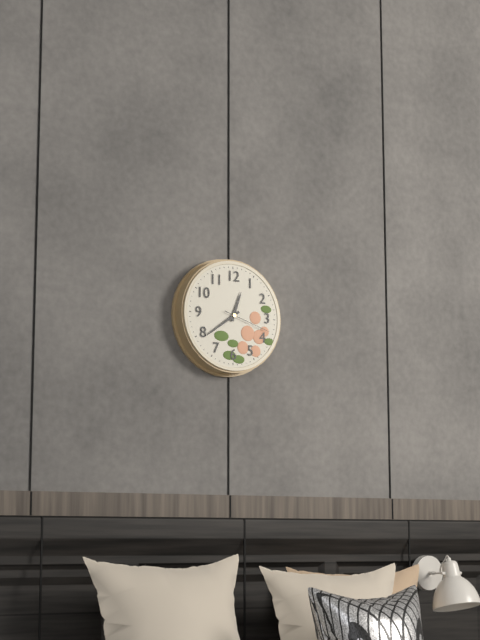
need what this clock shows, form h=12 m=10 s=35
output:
h=12 m=39 s=18
